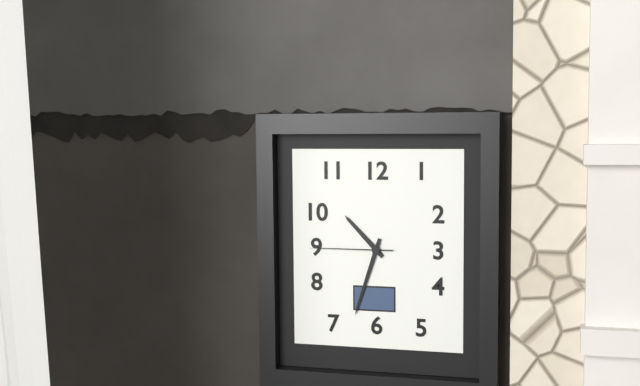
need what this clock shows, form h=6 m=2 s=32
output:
h=10 m=33 s=45
